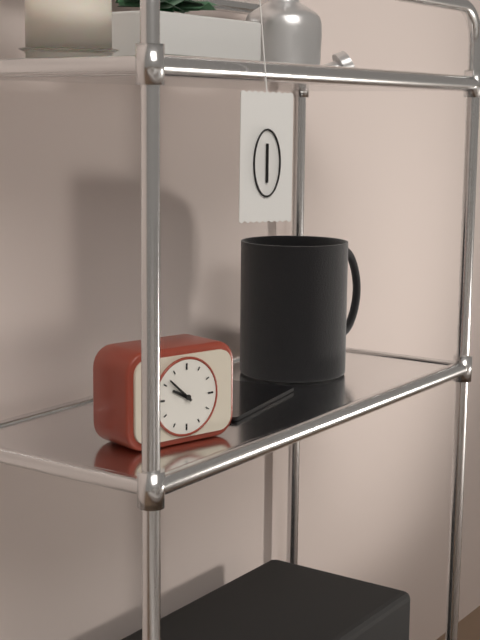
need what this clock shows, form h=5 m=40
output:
h=9 m=52
